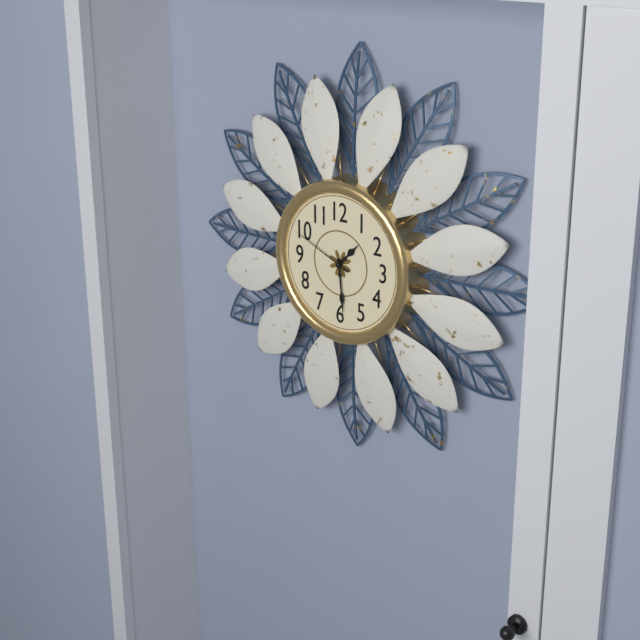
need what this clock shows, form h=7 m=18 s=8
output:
h=1 m=29 s=49
